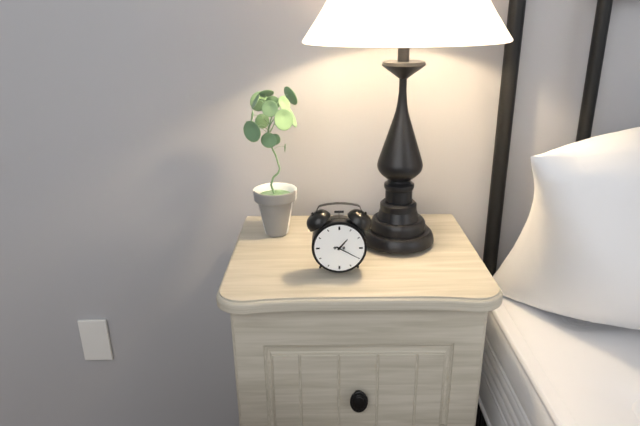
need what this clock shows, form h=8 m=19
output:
h=1 m=20
